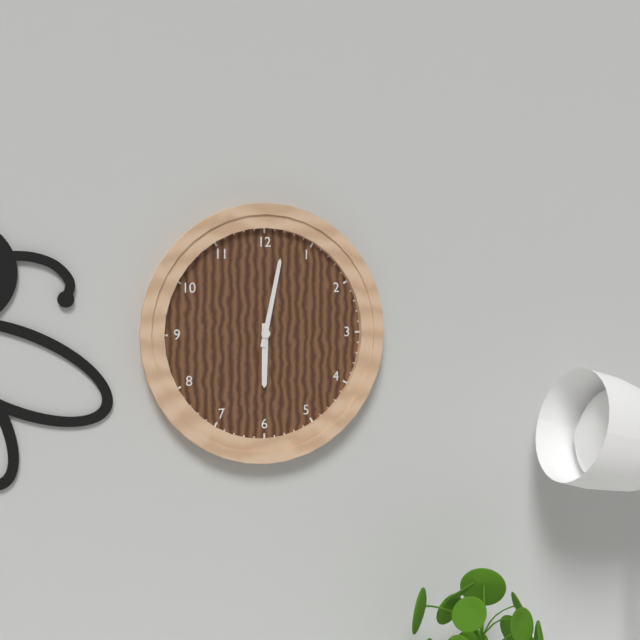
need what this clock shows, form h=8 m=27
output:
h=6 m=2
